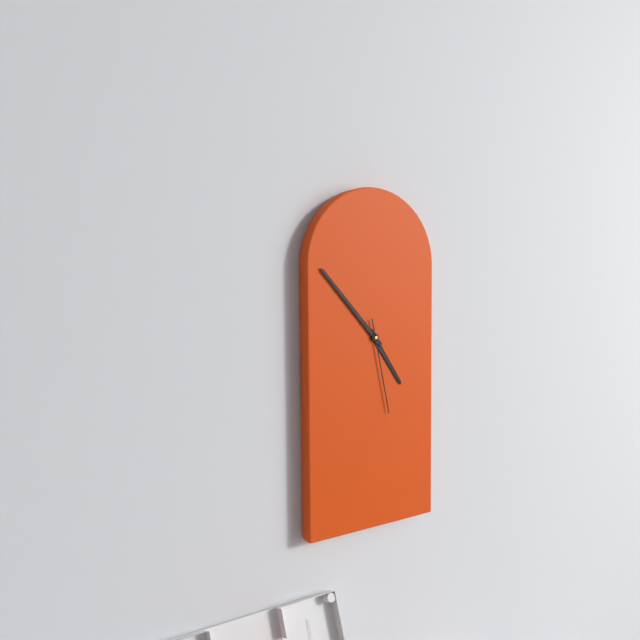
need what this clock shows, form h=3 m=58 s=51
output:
h=4 m=53 s=28
